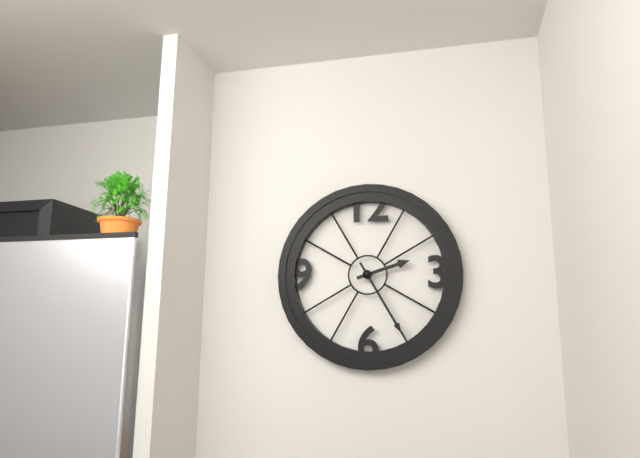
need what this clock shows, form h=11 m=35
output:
h=2 m=25
